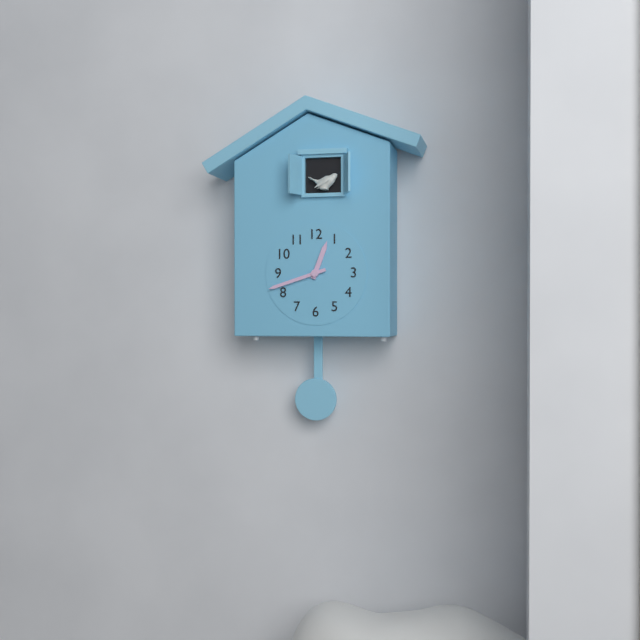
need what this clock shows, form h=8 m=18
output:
h=12 m=42
